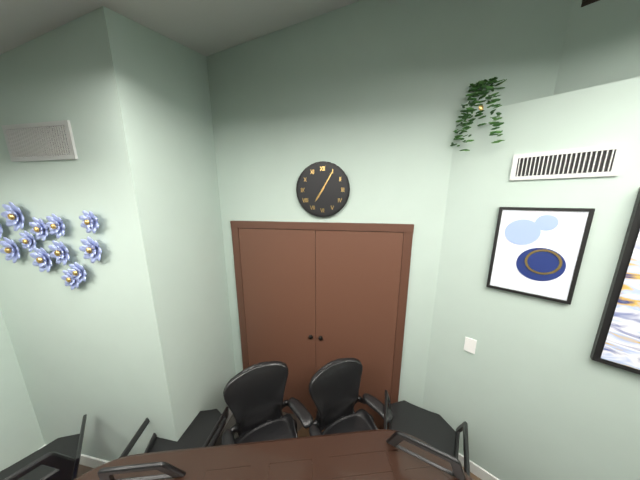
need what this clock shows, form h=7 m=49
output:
h=7 m=5
